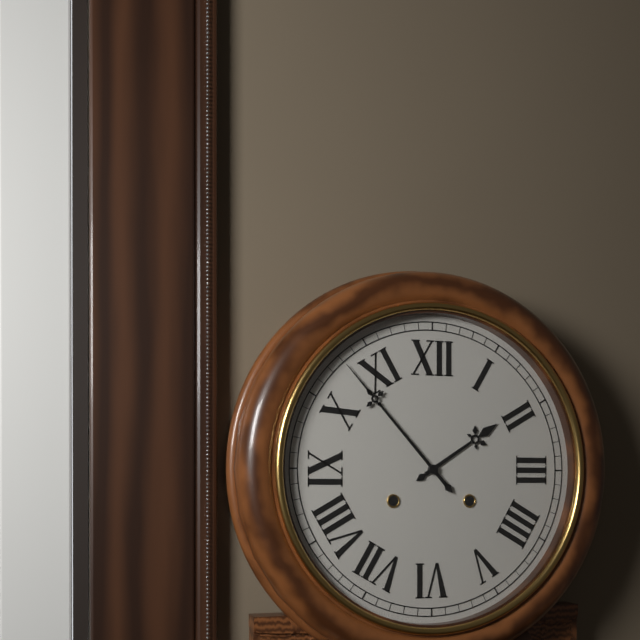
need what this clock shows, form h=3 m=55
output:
h=1 m=53
